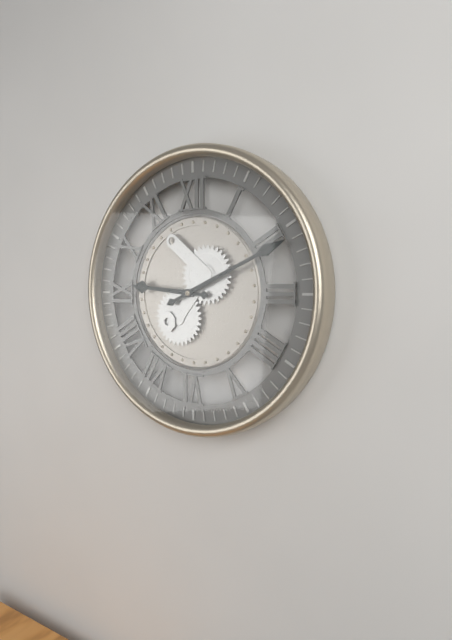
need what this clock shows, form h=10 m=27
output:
h=9 m=11
